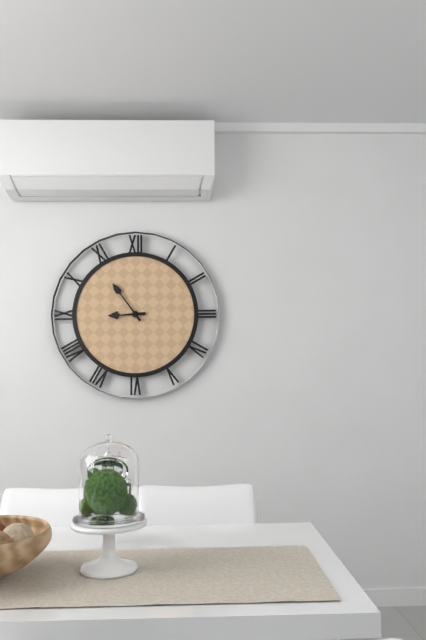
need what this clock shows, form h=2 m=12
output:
h=8 m=54
